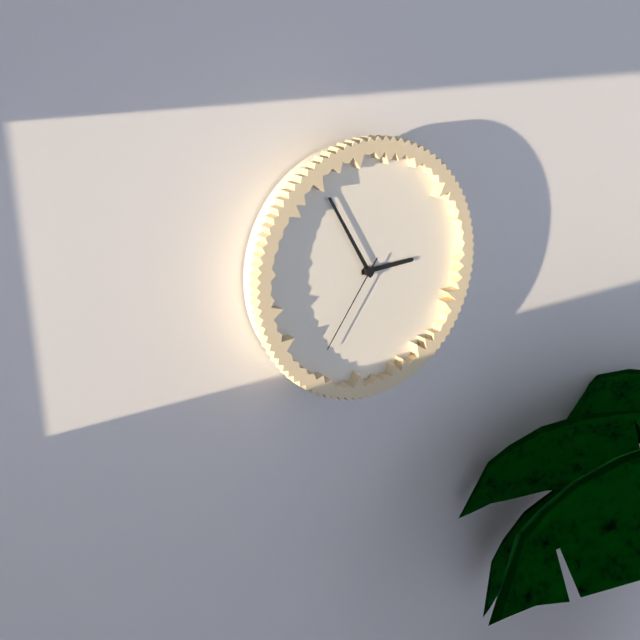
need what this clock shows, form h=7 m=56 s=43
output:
h=2 m=55 s=36
